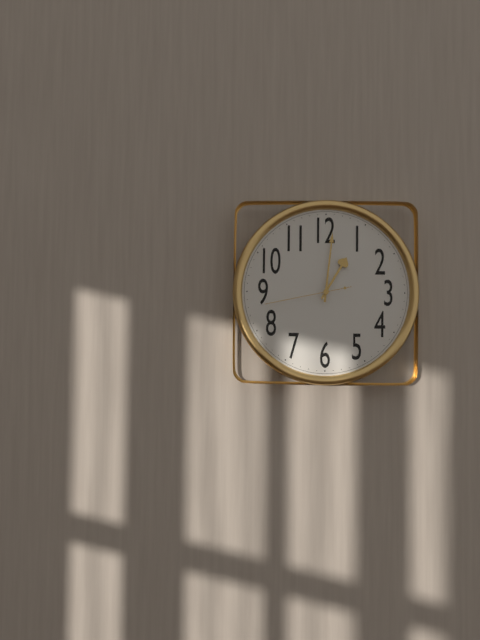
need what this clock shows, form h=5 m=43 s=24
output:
h=1 m=1 s=43
